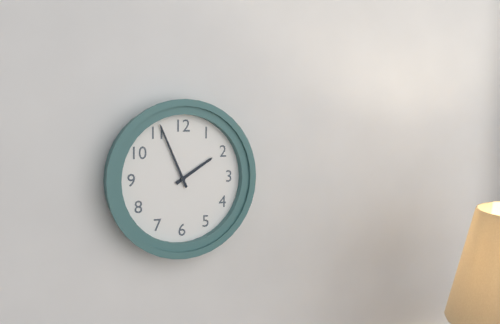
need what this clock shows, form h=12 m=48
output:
h=1 m=56
